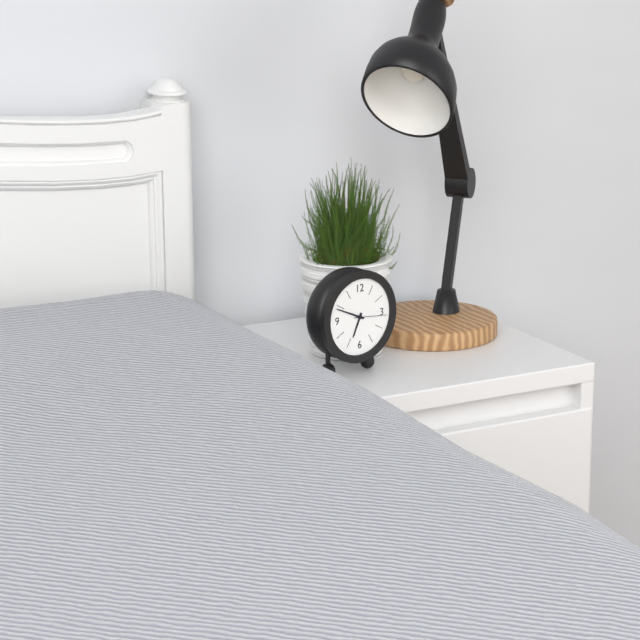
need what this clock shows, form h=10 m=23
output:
h=6 m=49
